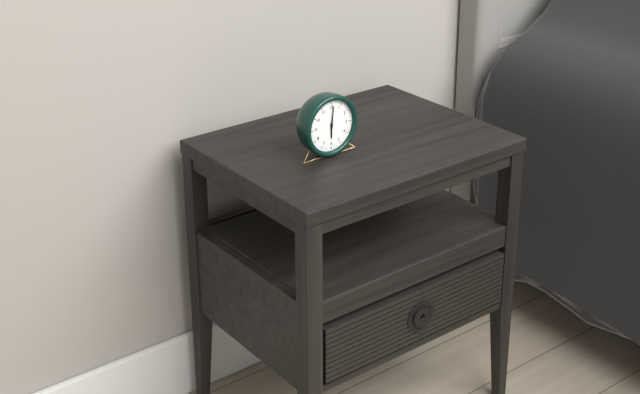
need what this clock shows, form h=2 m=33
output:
h=6 m=1
